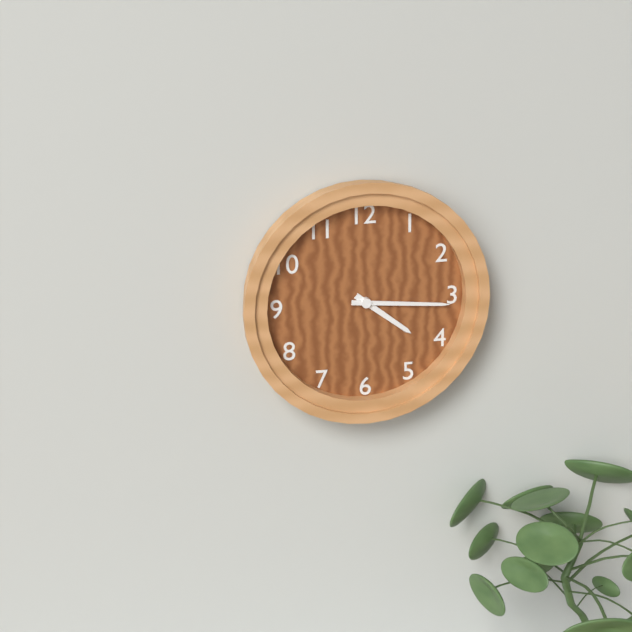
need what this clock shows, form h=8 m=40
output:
h=4 m=16
